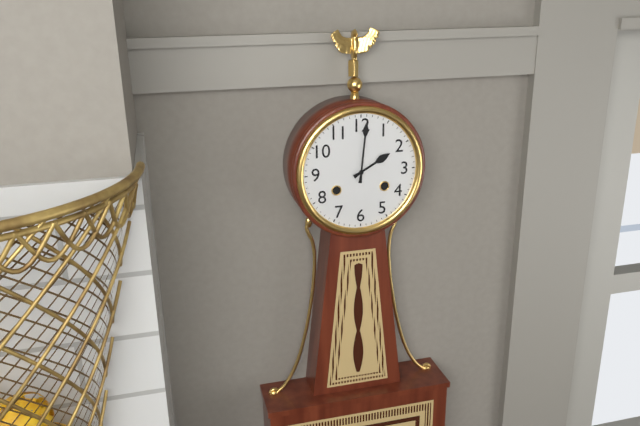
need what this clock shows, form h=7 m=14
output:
h=2 m=1
